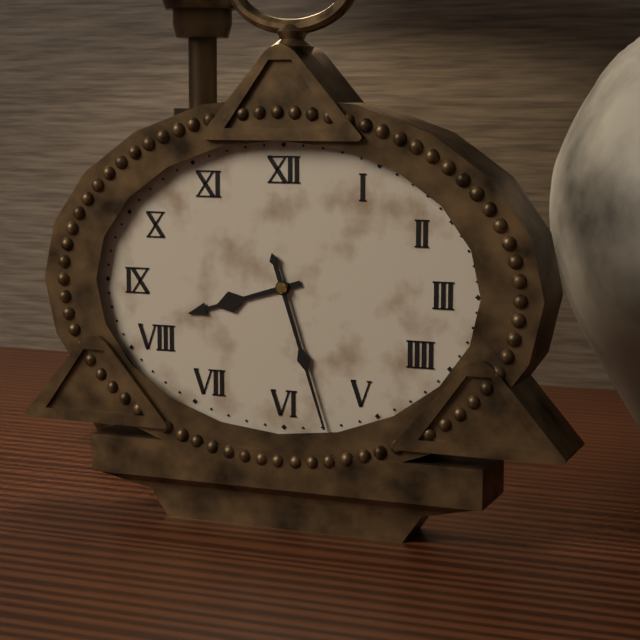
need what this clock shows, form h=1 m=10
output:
h=8 m=27
